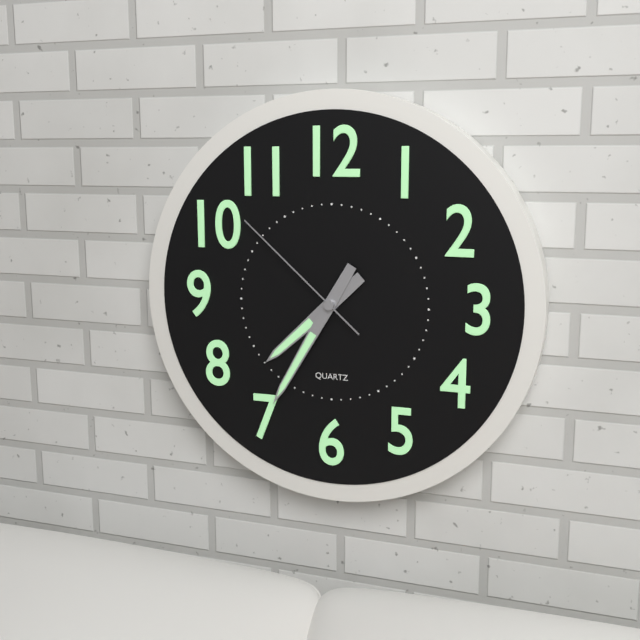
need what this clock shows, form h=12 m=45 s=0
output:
h=7 m=35 s=52
